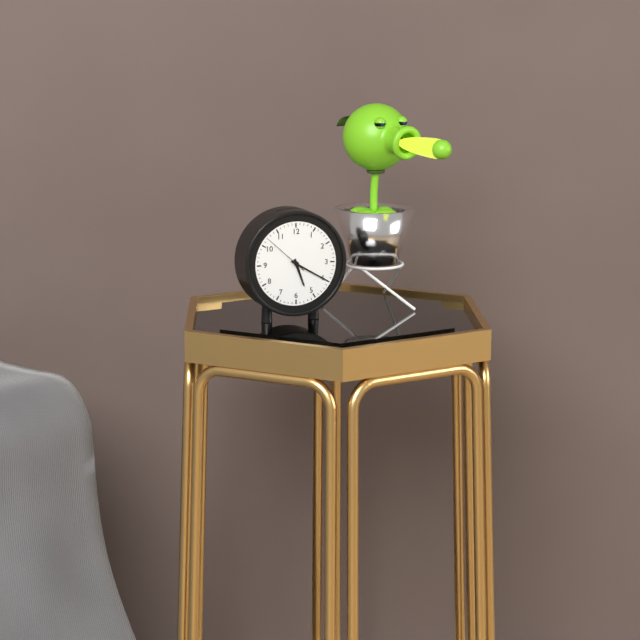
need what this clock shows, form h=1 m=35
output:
h=5 m=20
